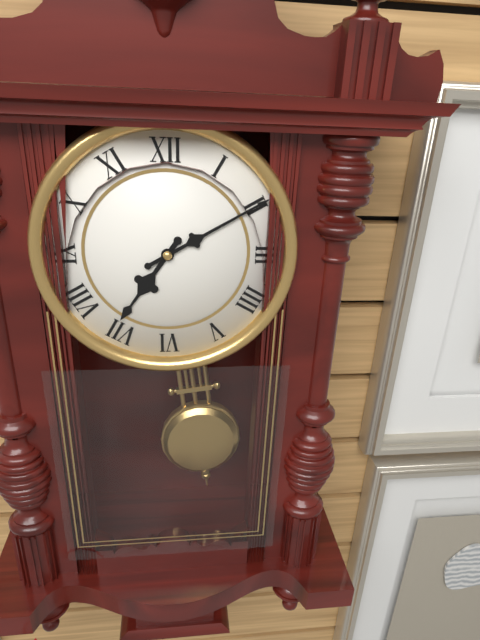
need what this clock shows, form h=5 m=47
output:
h=7 m=10
